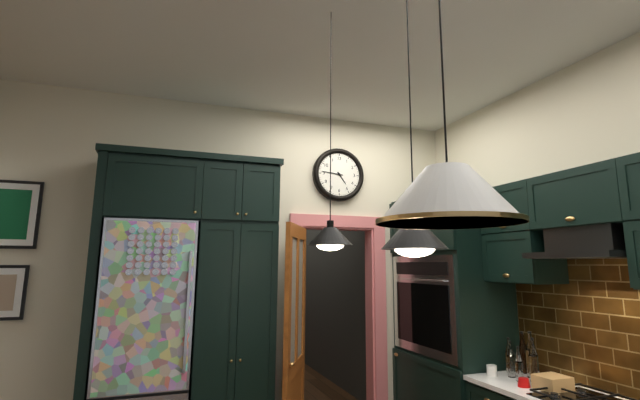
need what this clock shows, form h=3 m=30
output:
h=4 m=46
